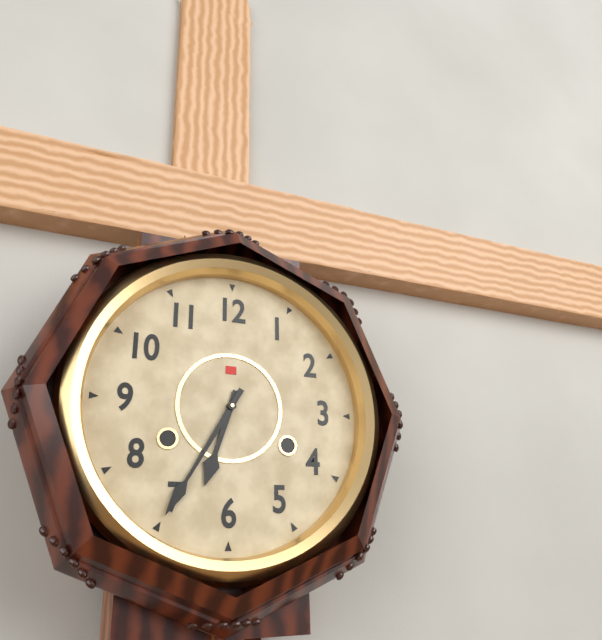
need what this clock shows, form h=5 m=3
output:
h=6 m=35
